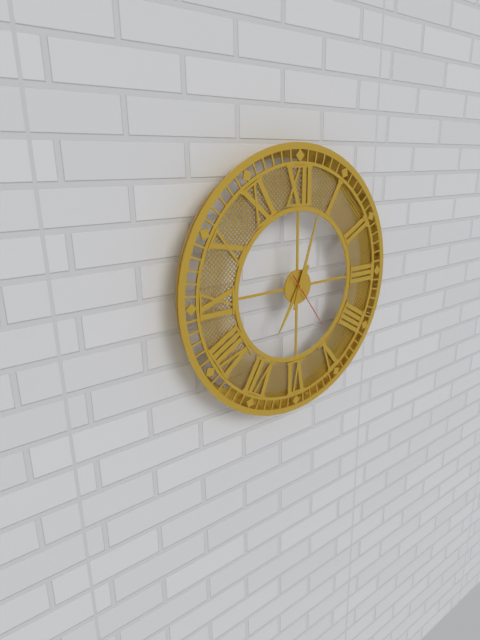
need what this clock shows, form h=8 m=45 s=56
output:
h=7 m=3 s=24
